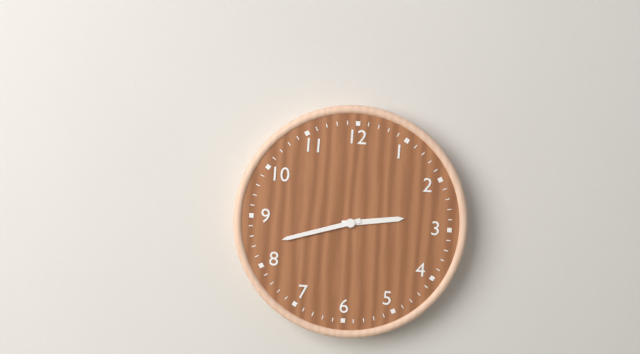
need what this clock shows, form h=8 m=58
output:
h=2 m=42
